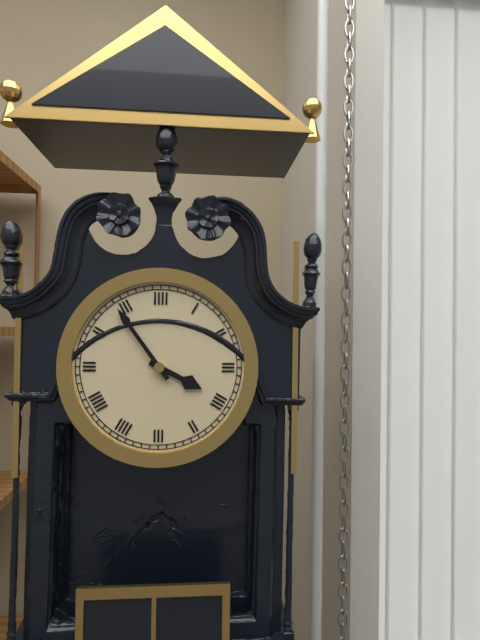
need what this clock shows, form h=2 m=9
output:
h=3 m=54
